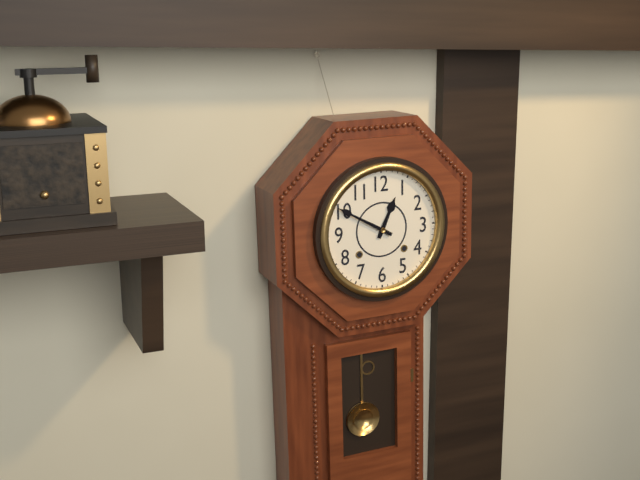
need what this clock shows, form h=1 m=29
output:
h=12 m=50
